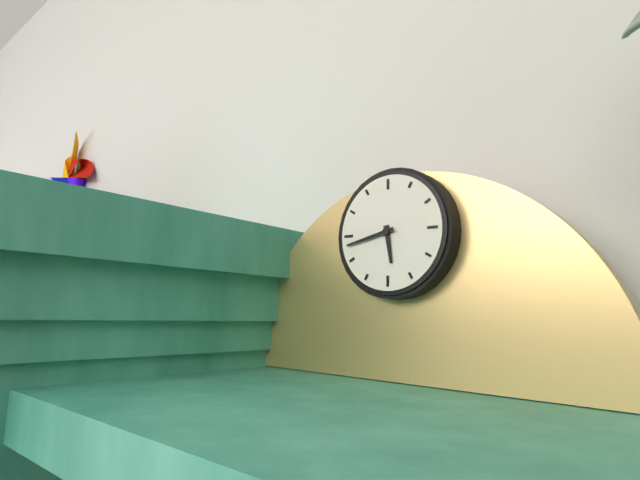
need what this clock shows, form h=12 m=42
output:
h=5 m=43
